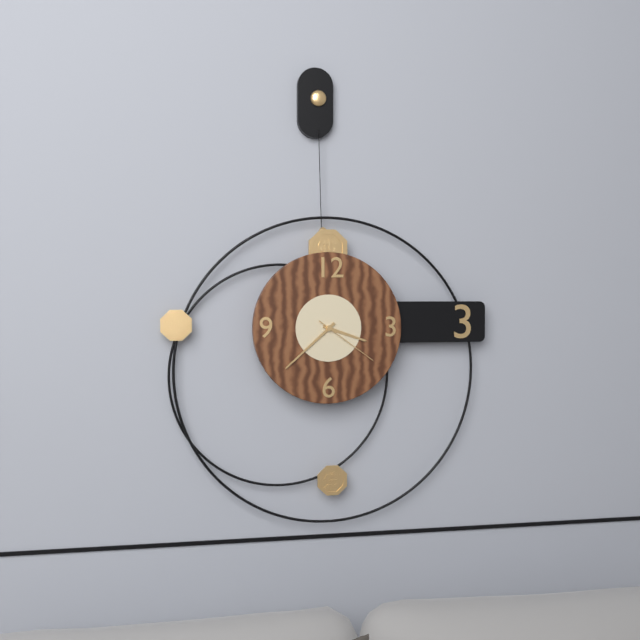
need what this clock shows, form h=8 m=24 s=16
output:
h=3 m=38 s=21
